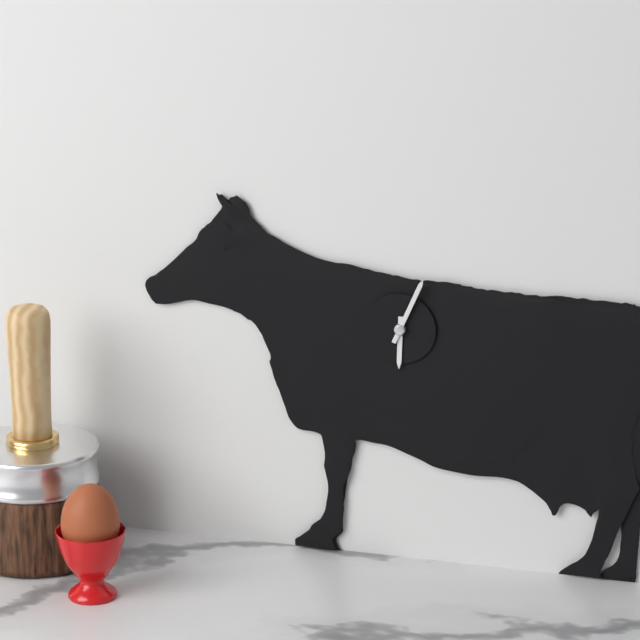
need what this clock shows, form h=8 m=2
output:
h=6 m=4
